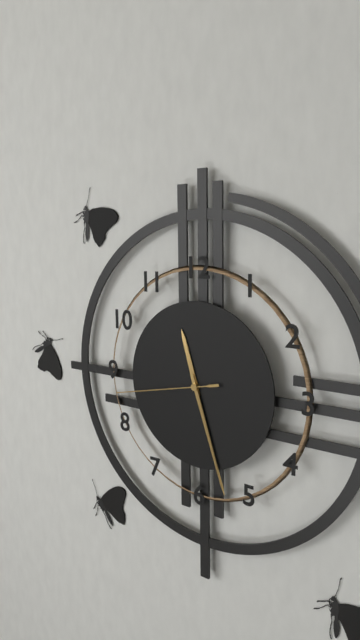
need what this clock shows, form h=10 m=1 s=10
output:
h=11 m=27 s=43
